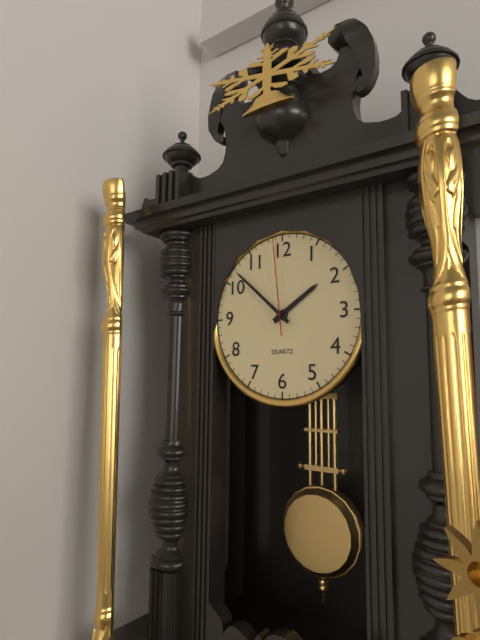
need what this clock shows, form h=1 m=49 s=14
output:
h=1 m=52 s=59
